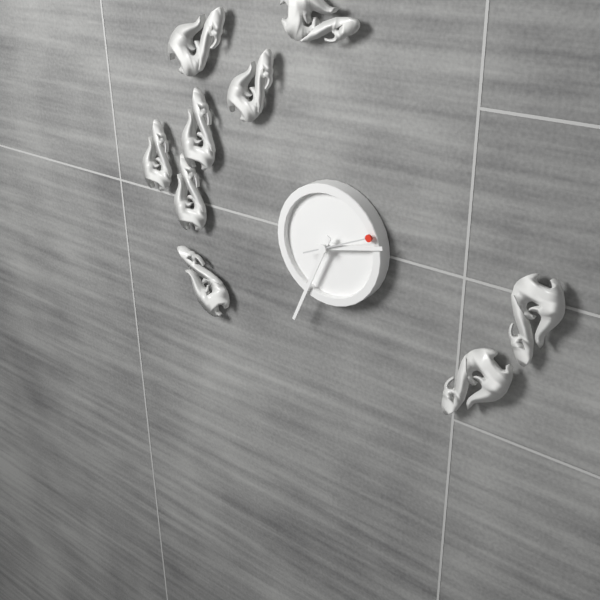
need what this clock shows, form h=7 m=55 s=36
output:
h=2 m=34 s=11
